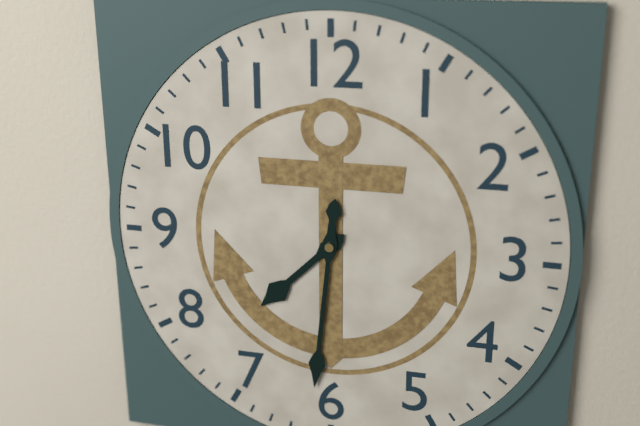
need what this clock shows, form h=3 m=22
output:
h=7 m=31
